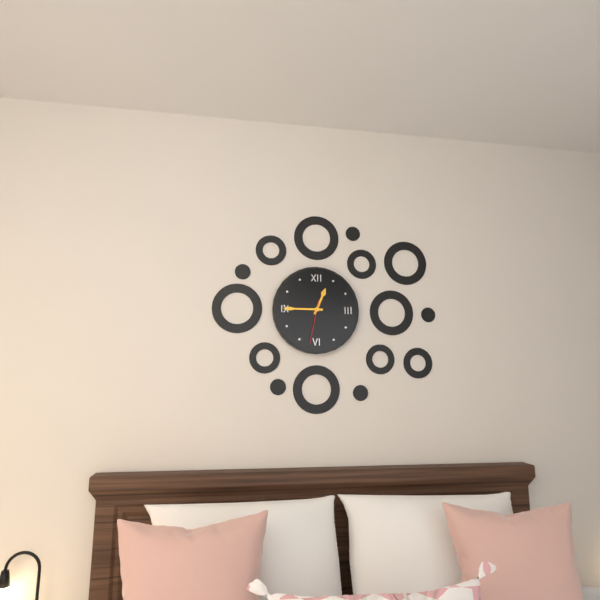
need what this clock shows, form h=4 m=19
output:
h=12 m=45
